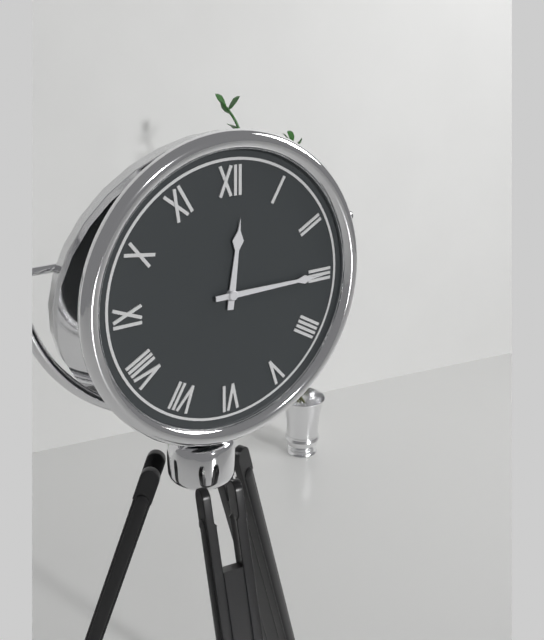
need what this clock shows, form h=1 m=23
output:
h=12 m=15
